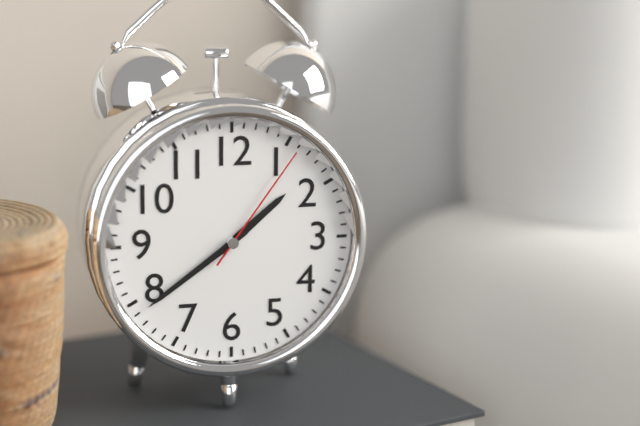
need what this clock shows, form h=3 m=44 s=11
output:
h=1 m=39 s=6
